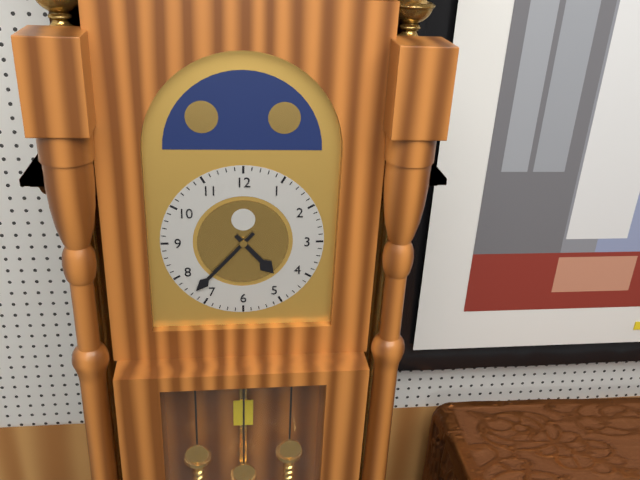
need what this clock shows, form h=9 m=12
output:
h=4 m=37
